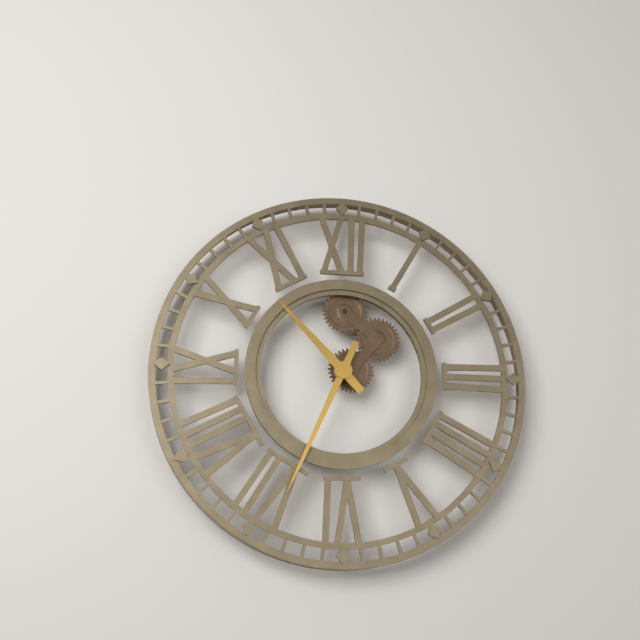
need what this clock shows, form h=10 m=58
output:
h=10 m=34
